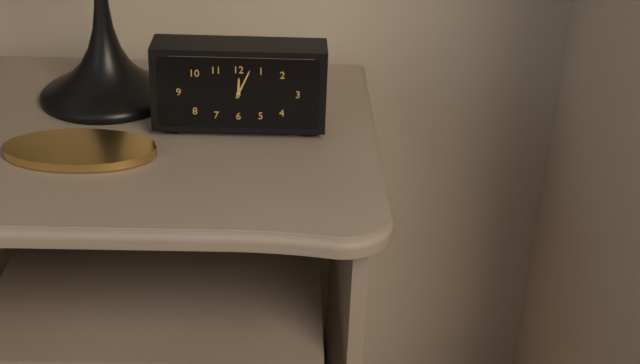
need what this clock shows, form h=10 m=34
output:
h=12 m=4
